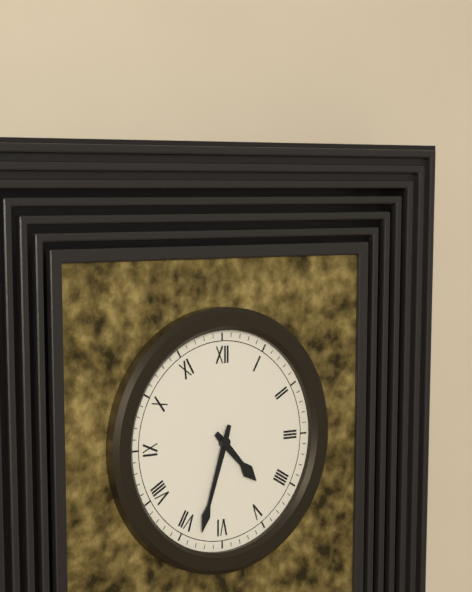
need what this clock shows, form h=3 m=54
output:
h=4 m=33
